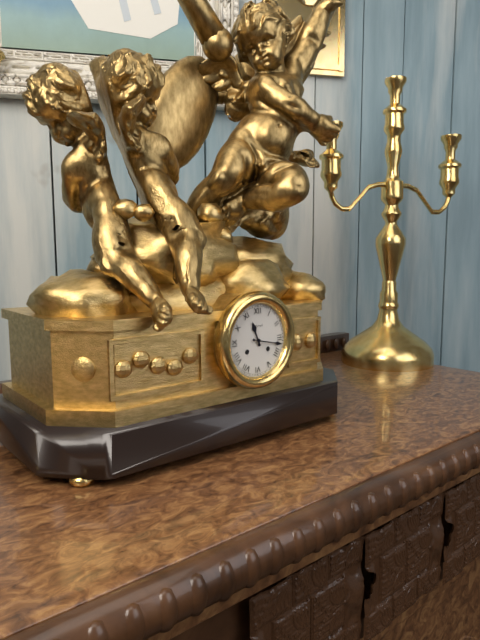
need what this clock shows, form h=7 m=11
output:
h=11 m=17
